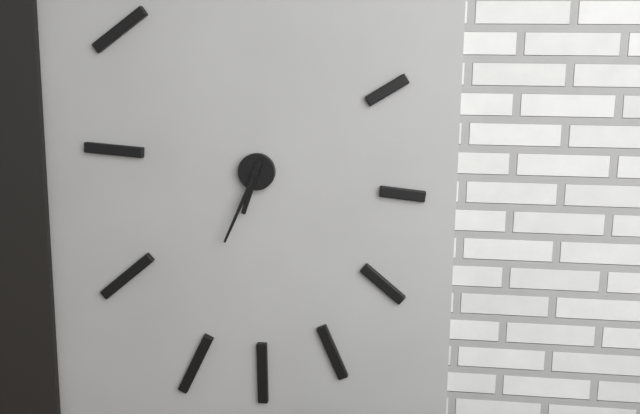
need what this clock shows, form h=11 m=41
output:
h=6 m=34
